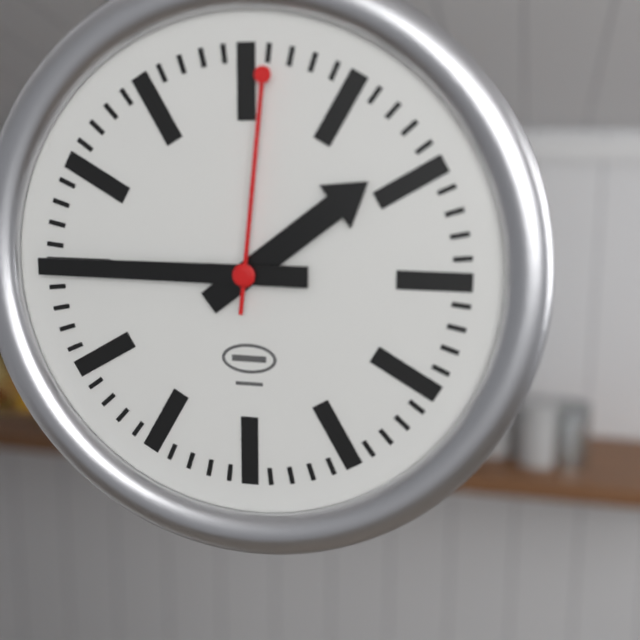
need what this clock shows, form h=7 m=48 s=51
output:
h=1 m=45 s=1
